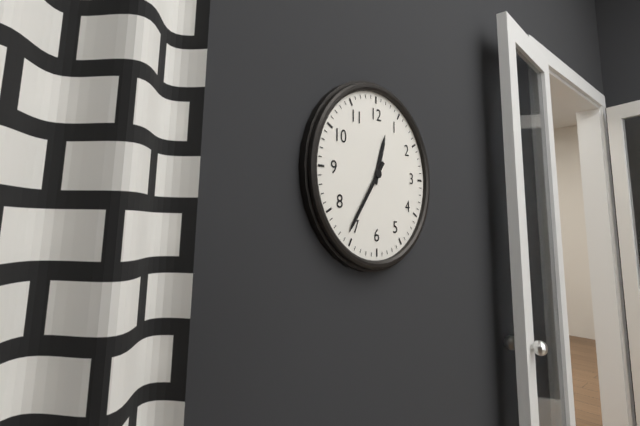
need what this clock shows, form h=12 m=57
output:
h=12 m=36
